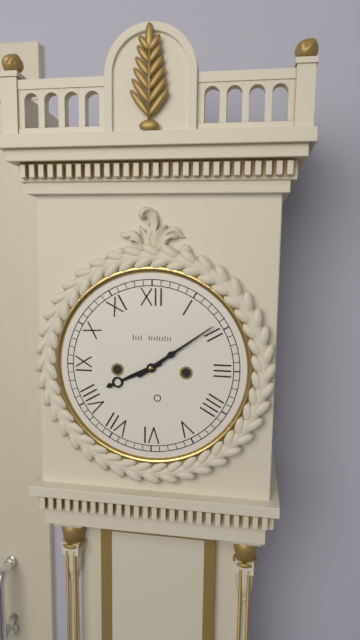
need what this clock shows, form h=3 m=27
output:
h=8 m=9
